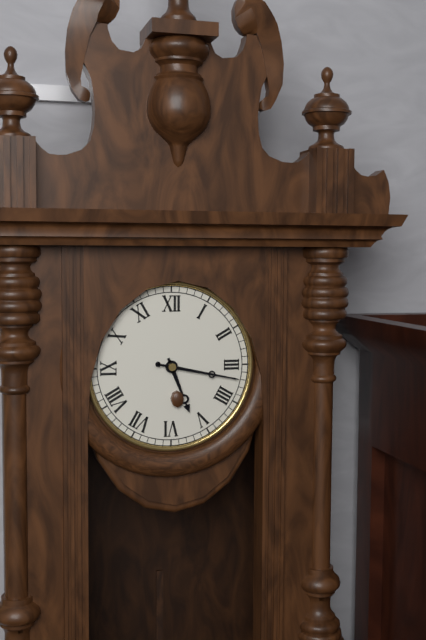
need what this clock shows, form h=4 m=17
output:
h=5 m=17
